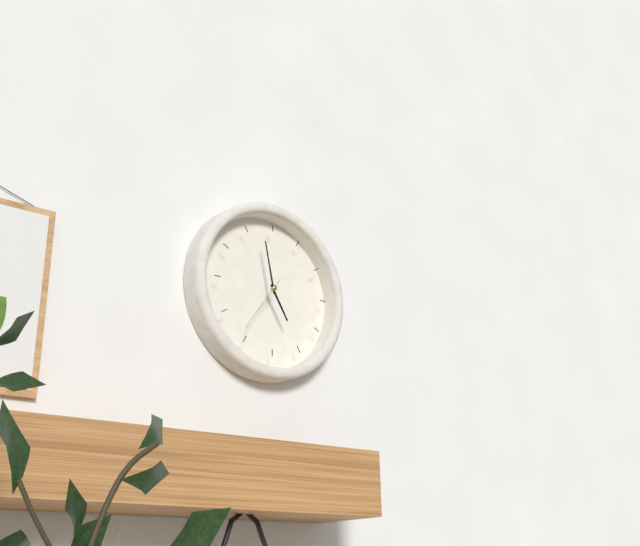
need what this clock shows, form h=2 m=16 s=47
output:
h=4 m=58 s=36
